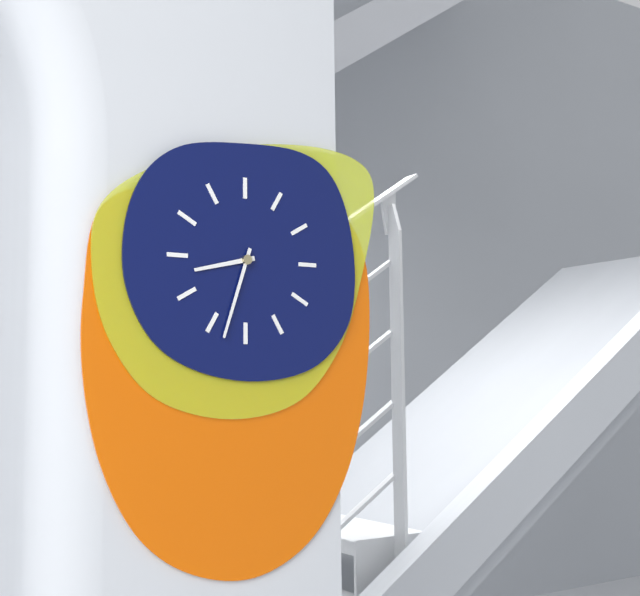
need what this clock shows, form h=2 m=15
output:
h=8 m=33
